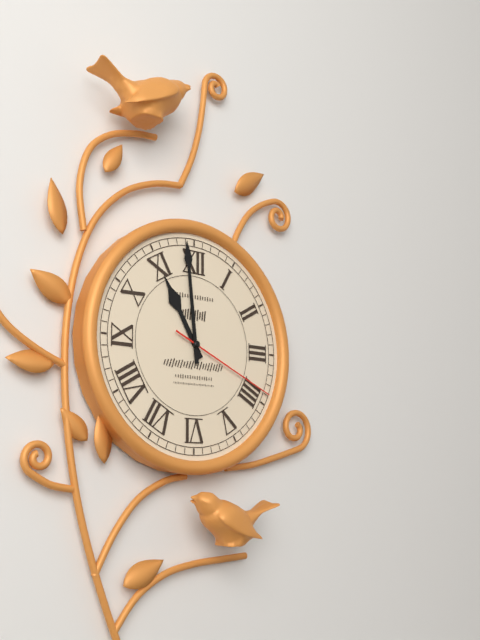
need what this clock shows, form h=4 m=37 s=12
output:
h=10 m=59 s=19
